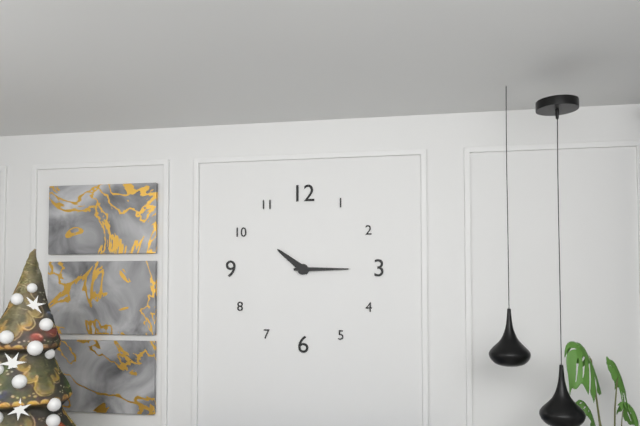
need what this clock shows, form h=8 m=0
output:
h=10 m=15
